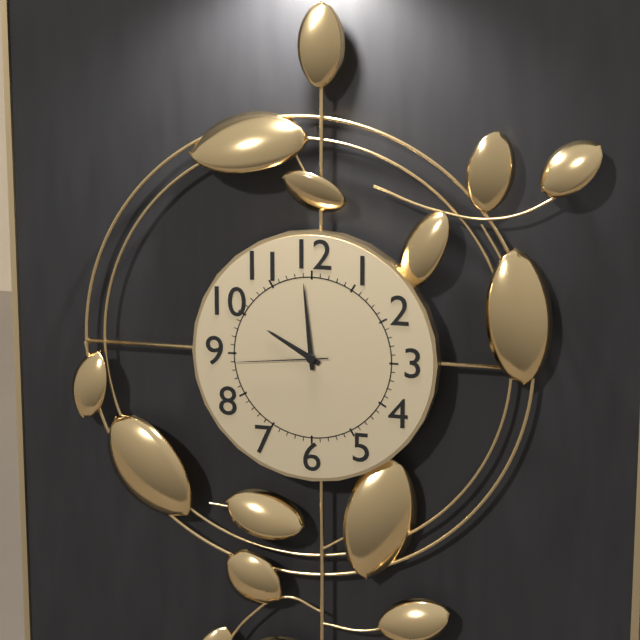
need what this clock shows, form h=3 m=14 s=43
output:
h=9 m=59 s=44
